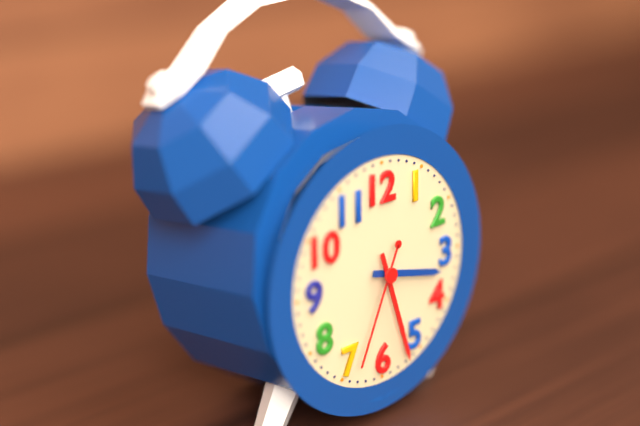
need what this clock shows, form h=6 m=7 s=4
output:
h=3 m=27 s=34
